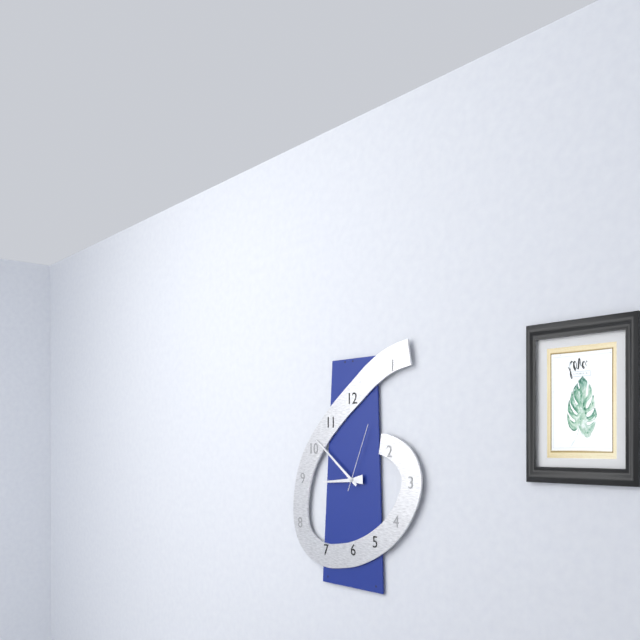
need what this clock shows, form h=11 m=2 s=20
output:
h=8 m=51 s=4
